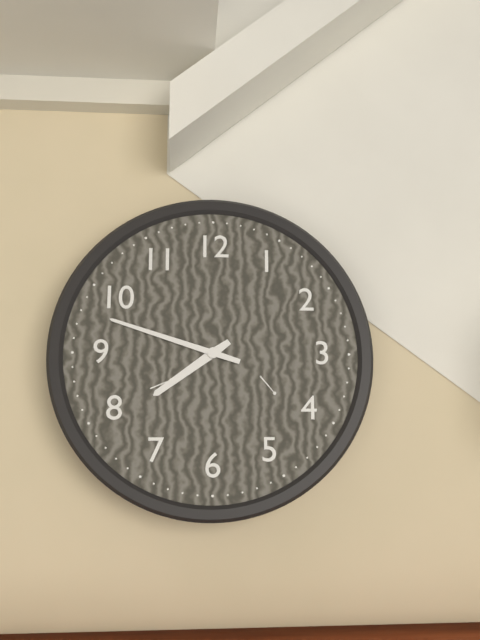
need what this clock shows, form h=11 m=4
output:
h=7 m=48
